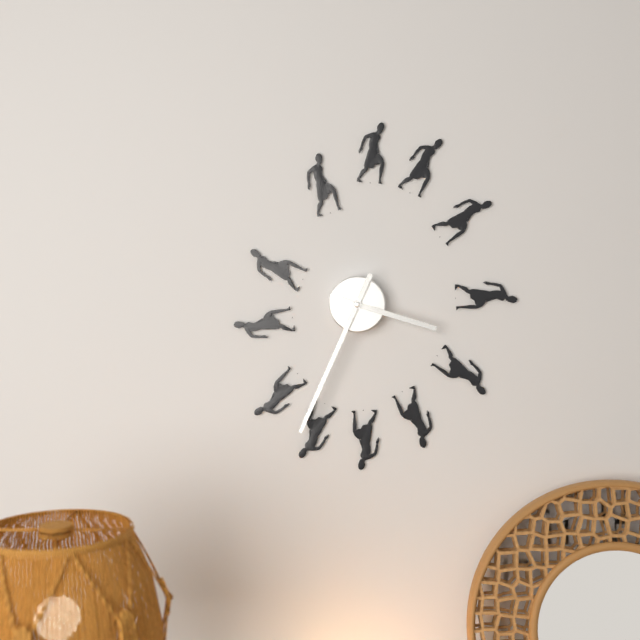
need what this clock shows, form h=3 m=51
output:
h=3 m=34
